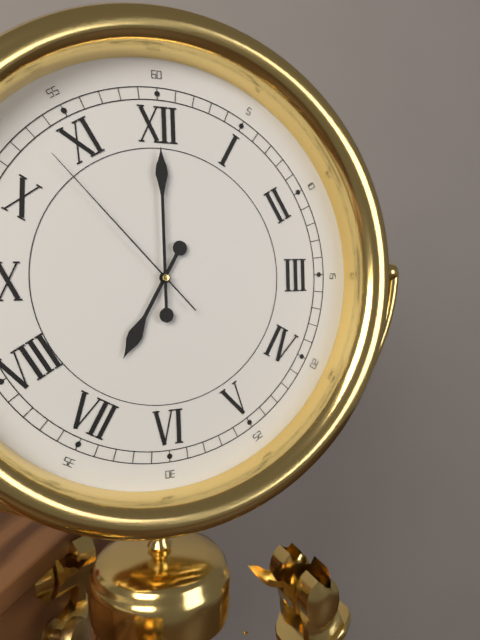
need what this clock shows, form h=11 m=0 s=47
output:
h=7 m=0 s=53
